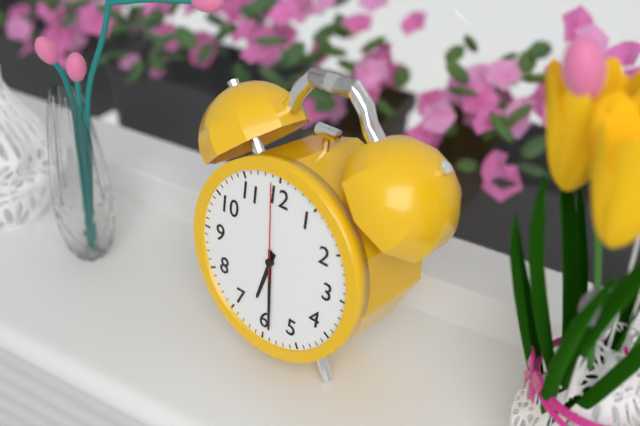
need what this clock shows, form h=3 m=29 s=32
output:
h=6 m=29 s=59
